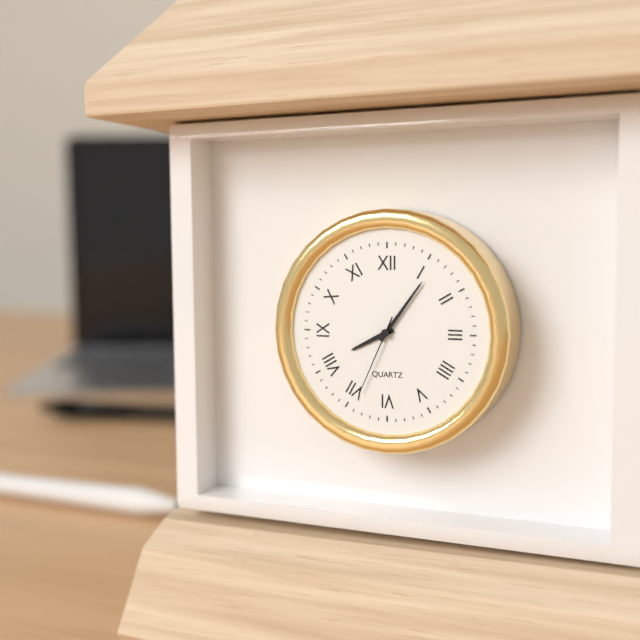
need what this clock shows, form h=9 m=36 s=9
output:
h=8 m=6 s=34
